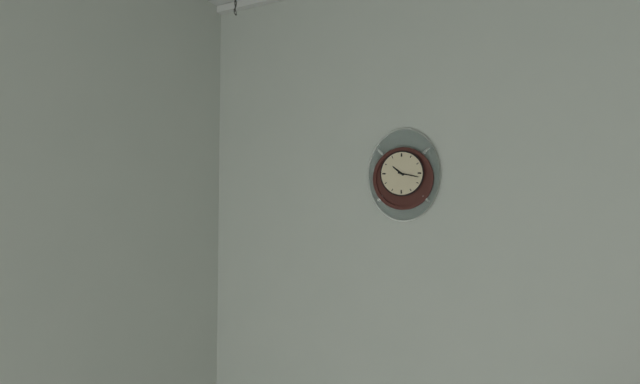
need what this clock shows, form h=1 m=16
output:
h=10 m=17
